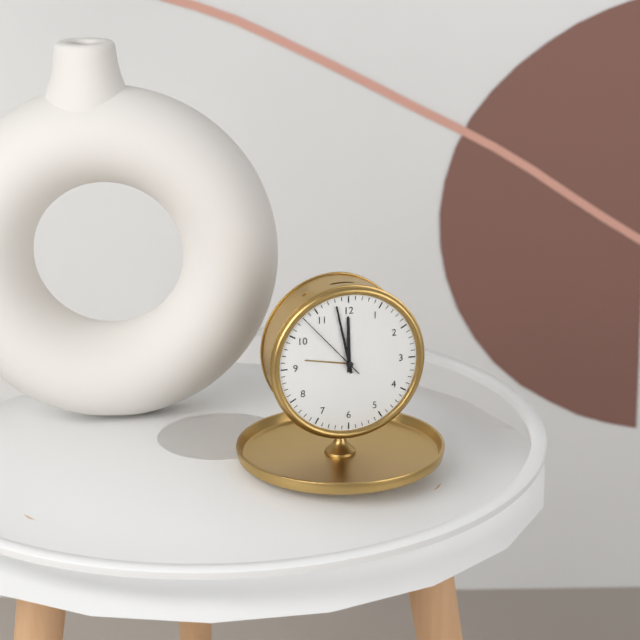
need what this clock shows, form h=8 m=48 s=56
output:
h=11 m=58 s=53
